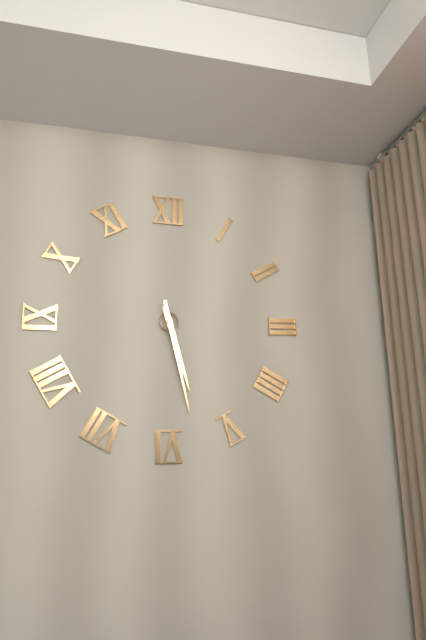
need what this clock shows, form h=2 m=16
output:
h=5 m=28
